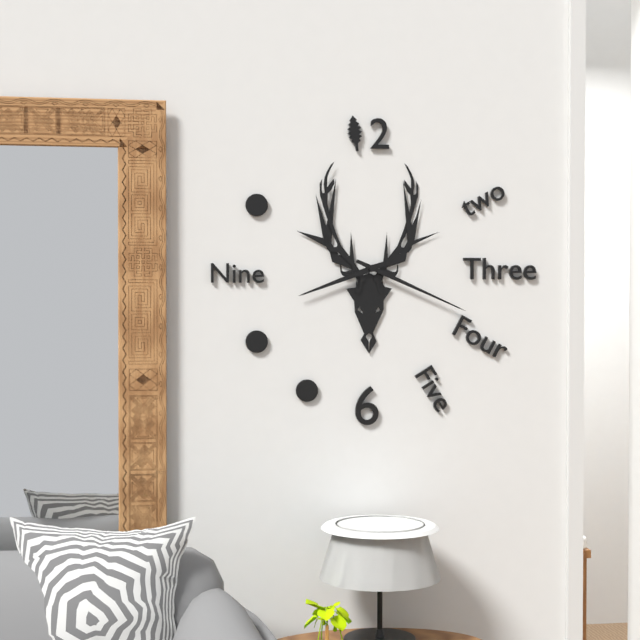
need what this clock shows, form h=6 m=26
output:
h=8 m=19
